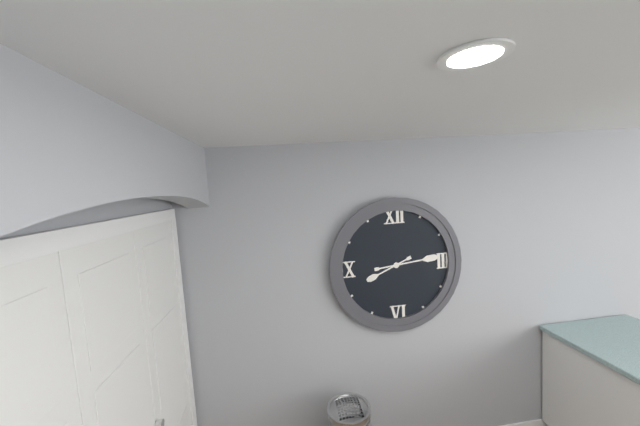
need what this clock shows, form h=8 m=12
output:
h=8 m=14
